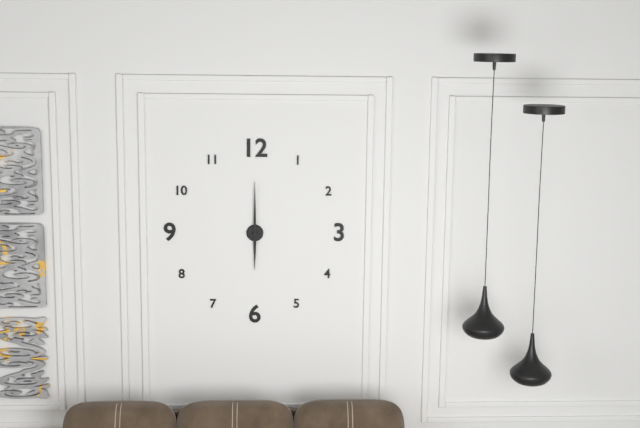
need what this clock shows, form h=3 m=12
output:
h=6 m=0
